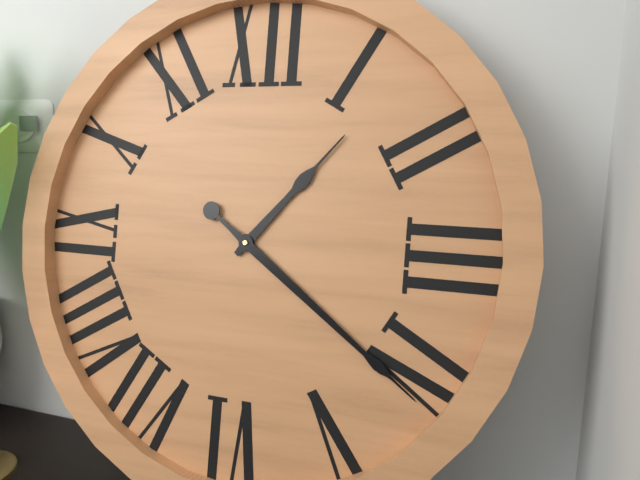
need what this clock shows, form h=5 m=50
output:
h=1 m=21
